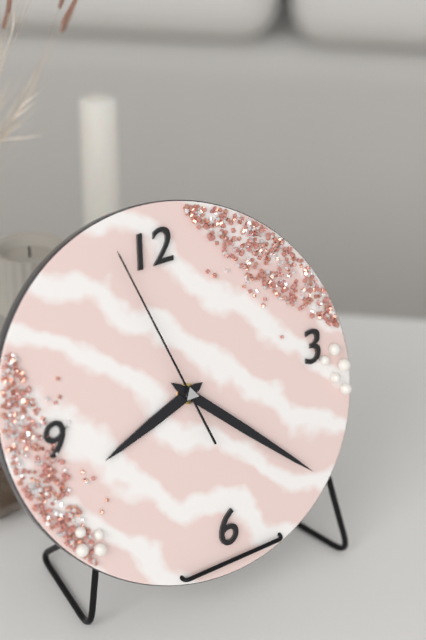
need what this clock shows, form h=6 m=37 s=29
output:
h=8 m=23 s=58
